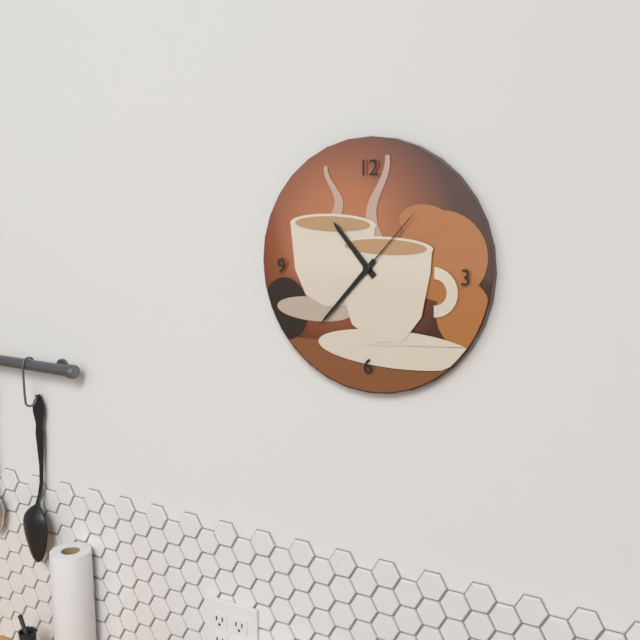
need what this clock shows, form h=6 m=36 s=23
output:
h=10 m=37 s=7
